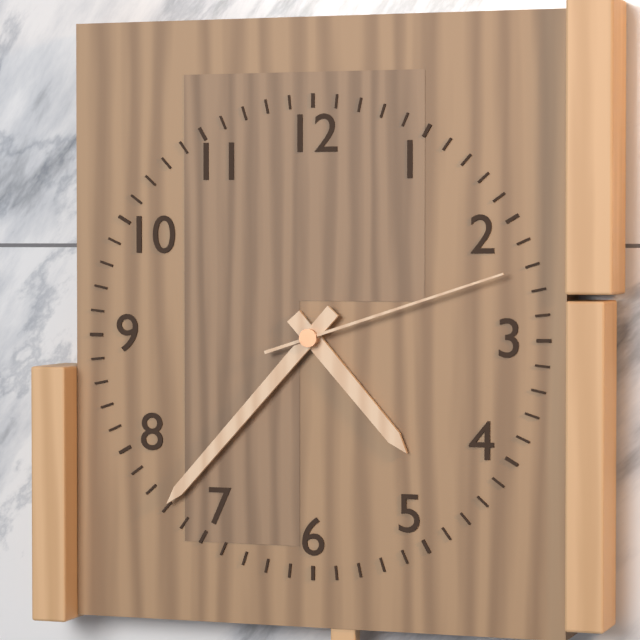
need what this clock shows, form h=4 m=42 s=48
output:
h=4 m=37 s=12
